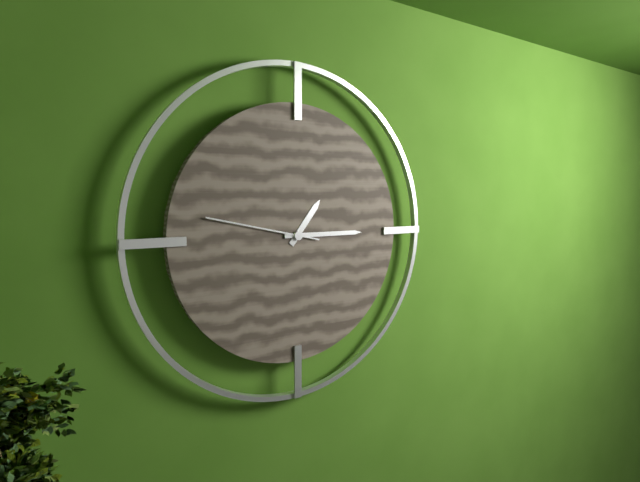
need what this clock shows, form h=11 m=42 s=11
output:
h=1 m=15 s=47
